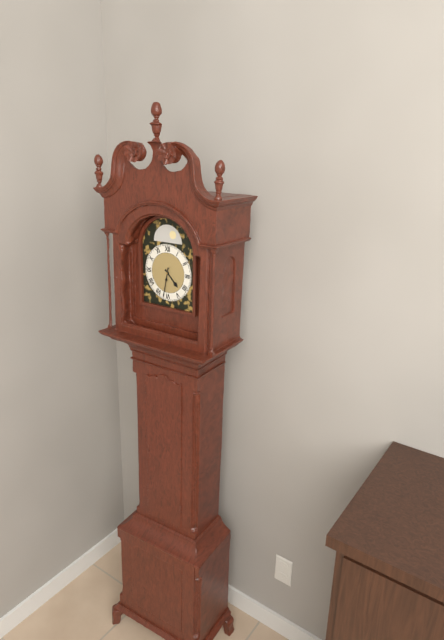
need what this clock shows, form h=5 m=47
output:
h=4 m=32
